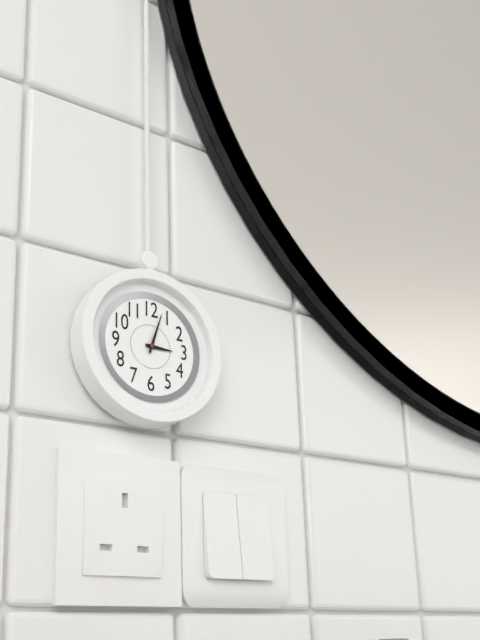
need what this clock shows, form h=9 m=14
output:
h=3 m=3
